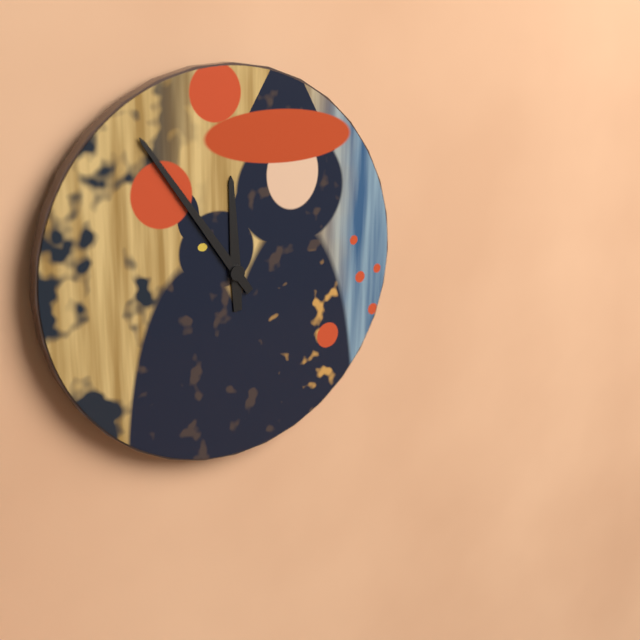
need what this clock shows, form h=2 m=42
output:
h=11 m=54
